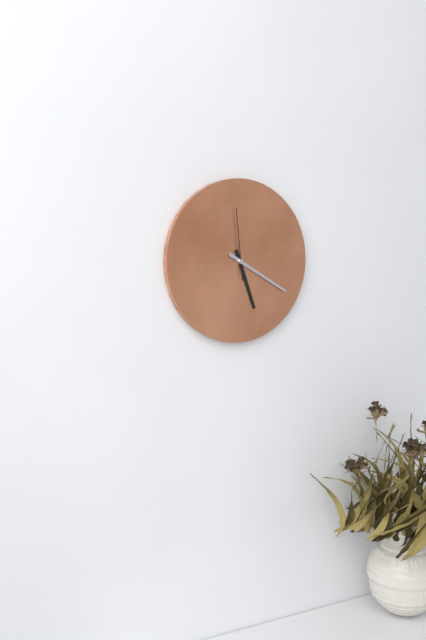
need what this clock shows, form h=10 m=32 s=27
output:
h=5 m=20 s=59
